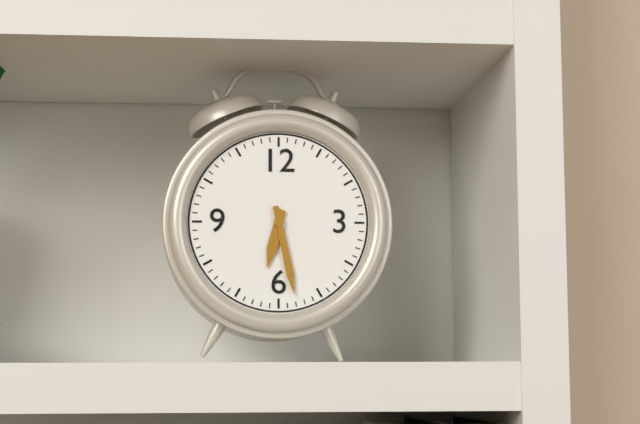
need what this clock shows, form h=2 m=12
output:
h=6 m=28
